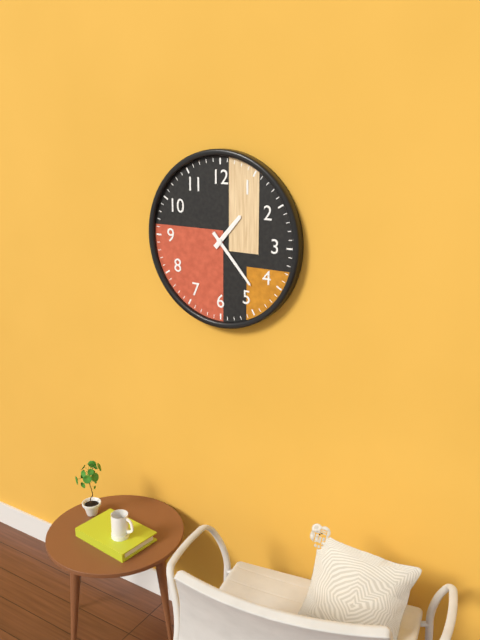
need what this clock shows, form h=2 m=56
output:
h=1 m=23
